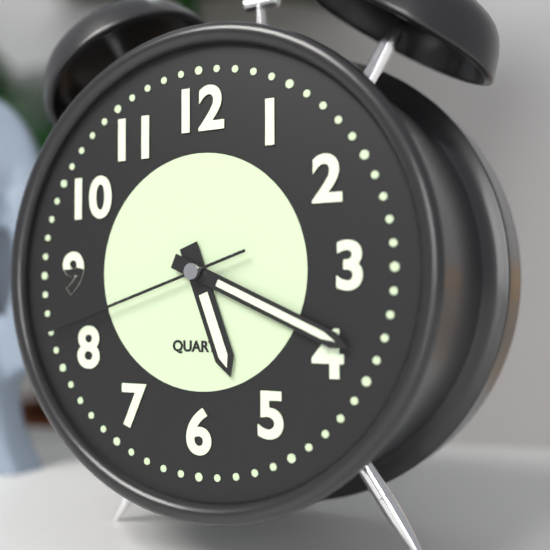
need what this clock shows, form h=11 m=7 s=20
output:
h=5 m=19 s=42
